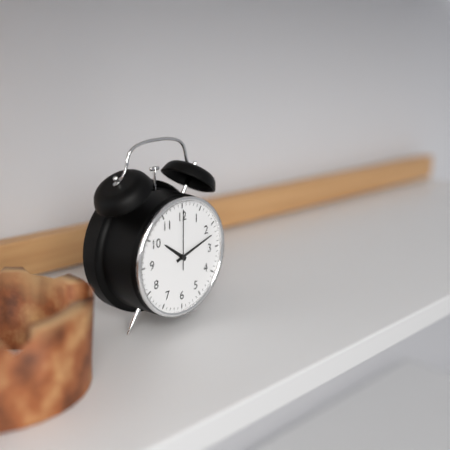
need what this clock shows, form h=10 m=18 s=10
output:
h=10 m=12 s=0
